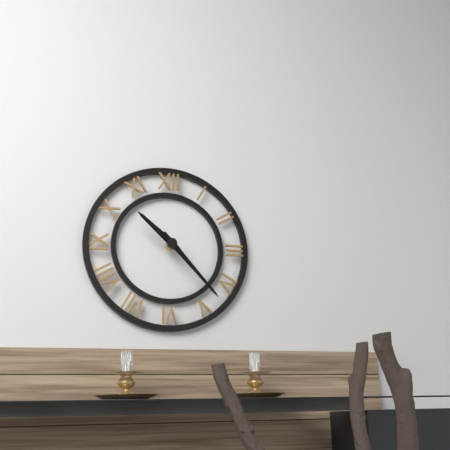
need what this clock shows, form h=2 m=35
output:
h=10 m=23
